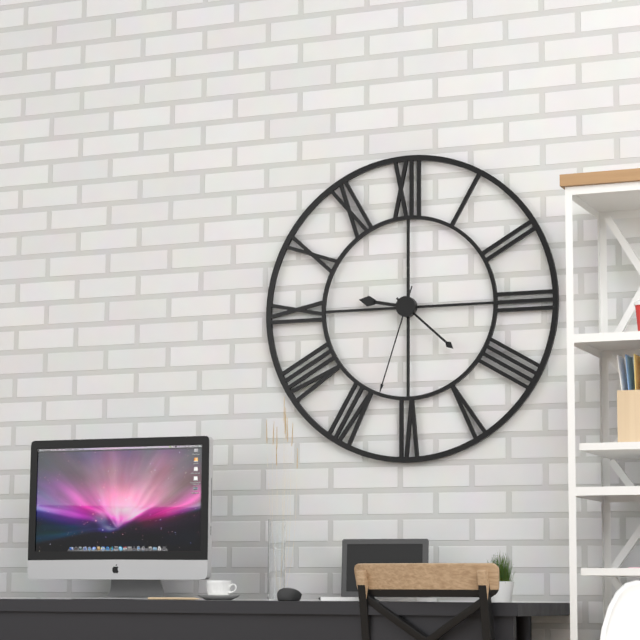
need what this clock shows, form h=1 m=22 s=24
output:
h=9 m=22 s=33
